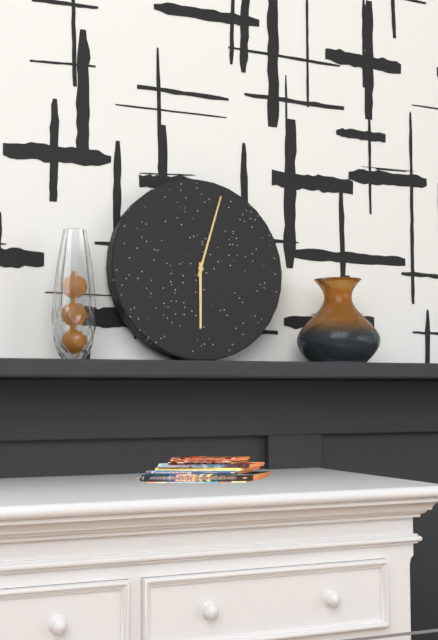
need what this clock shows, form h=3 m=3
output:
h=6 m=3
